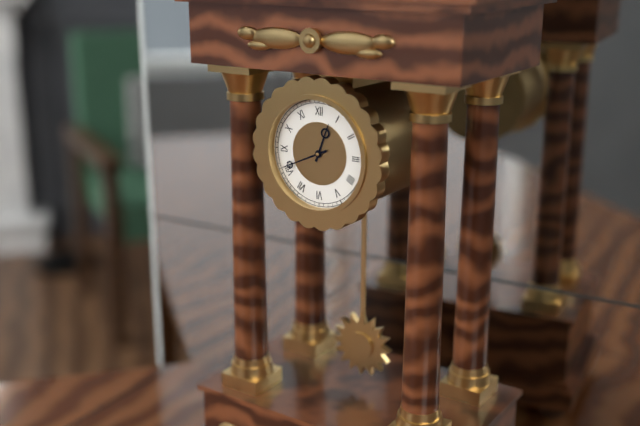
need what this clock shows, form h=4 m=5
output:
h=12 m=41
